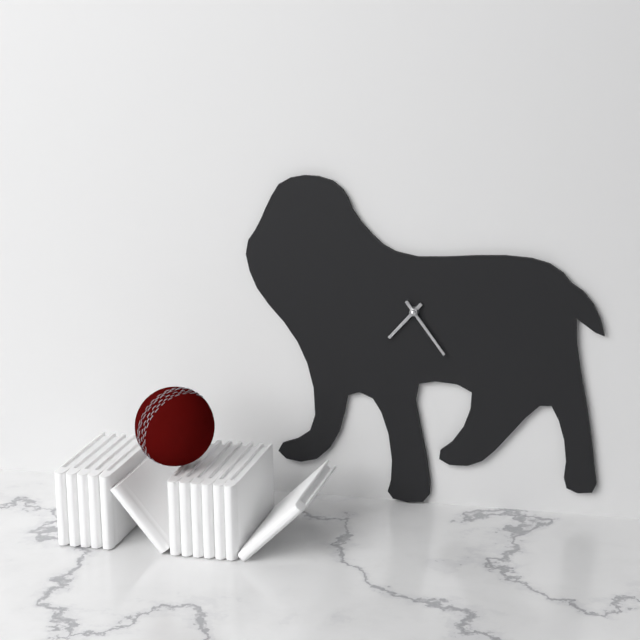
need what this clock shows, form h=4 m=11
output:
h=7 m=24
